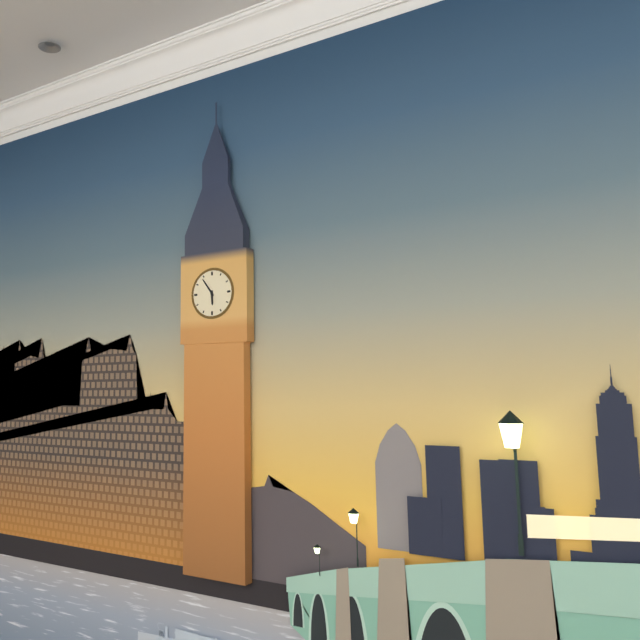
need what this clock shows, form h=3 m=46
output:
h=5 m=54
